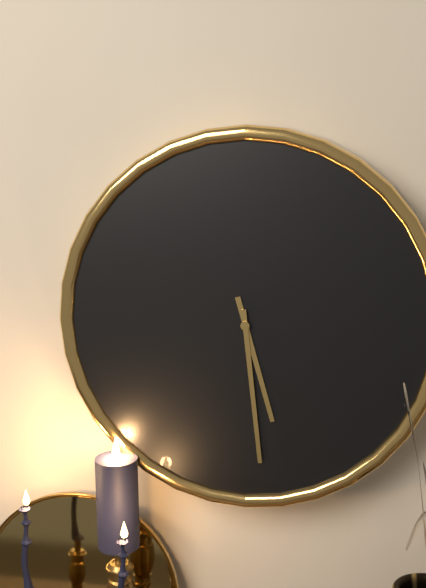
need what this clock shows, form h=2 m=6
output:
h=5 m=29
